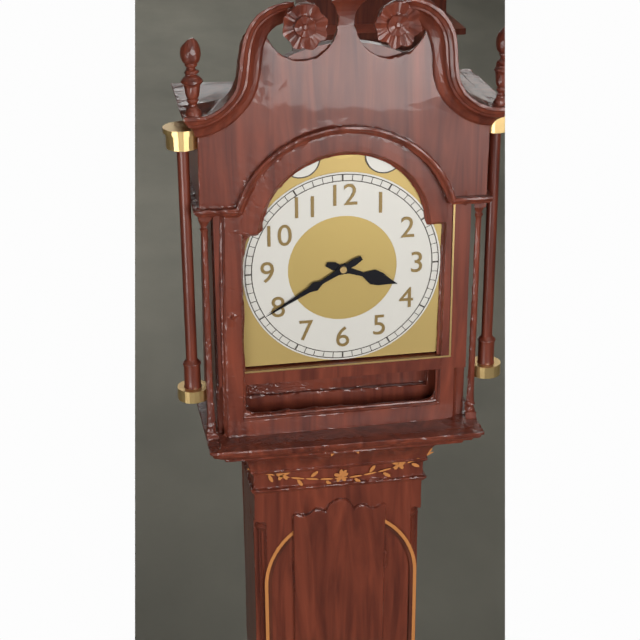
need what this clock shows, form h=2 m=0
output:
h=3 m=40
